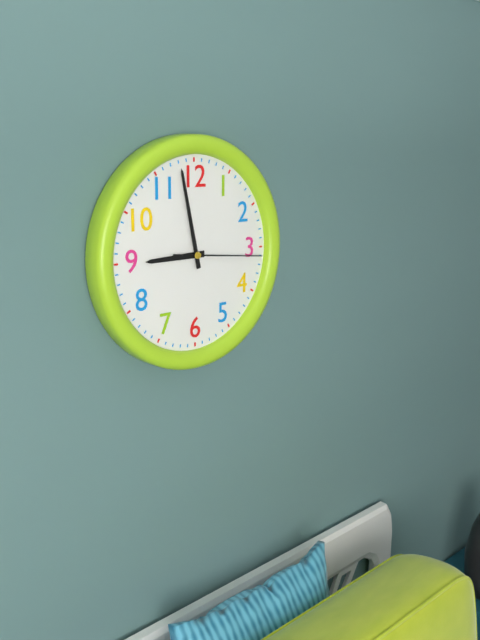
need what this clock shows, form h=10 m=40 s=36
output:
h=8 m=58 s=16
